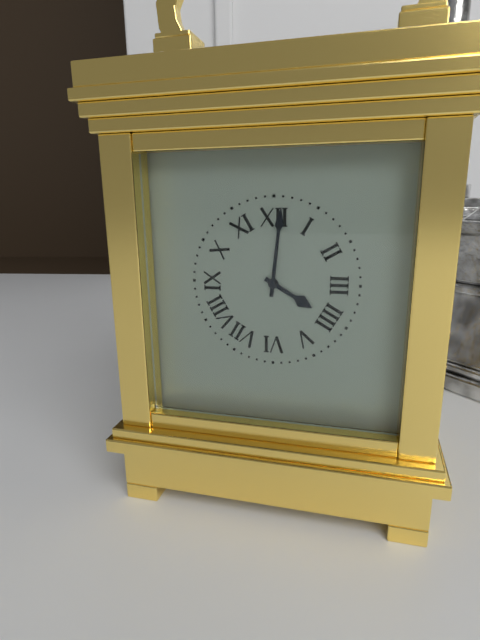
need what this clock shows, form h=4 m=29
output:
h=4 m=1
